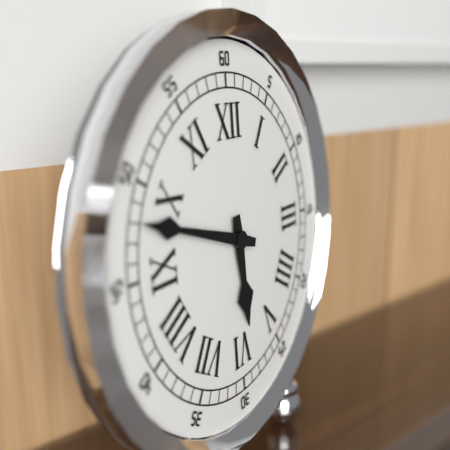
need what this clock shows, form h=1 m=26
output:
h=5 m=48
